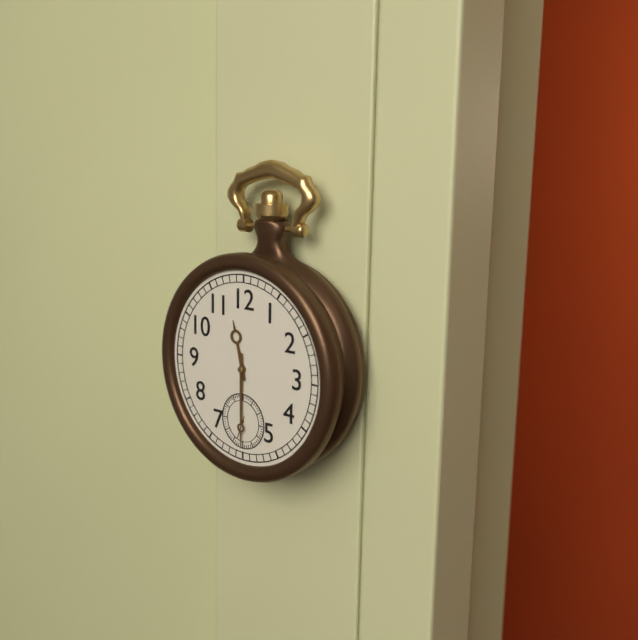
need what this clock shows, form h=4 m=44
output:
h=11 m=30
